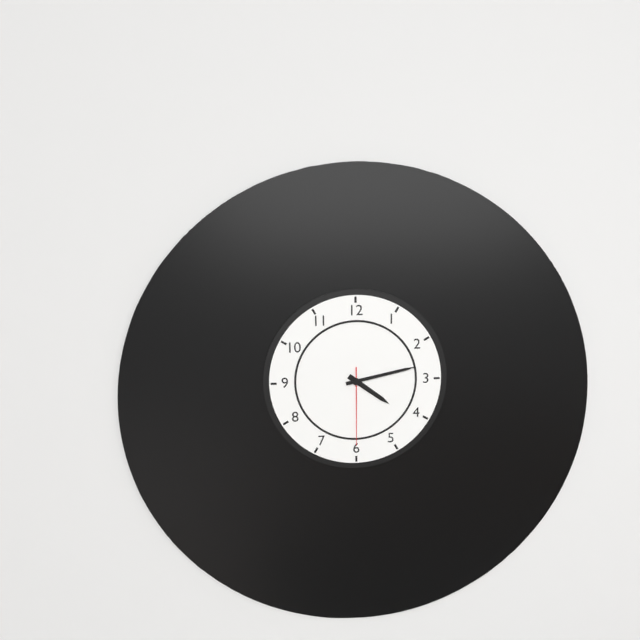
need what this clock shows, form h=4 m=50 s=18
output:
h=4 m=13 s=30
